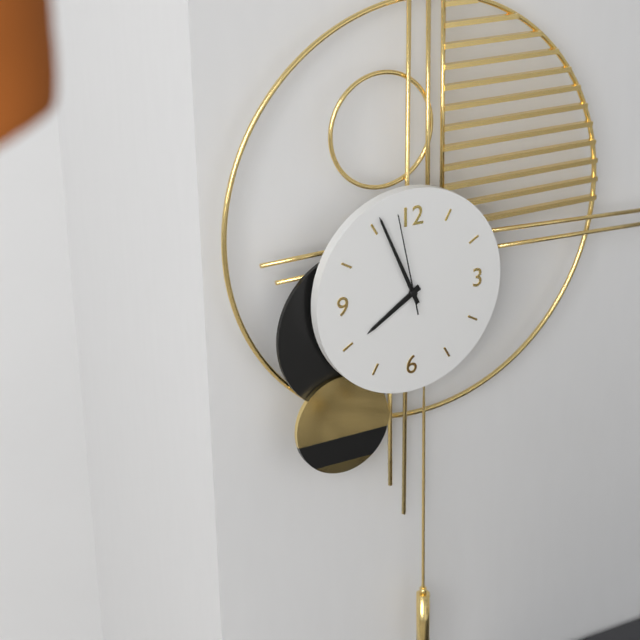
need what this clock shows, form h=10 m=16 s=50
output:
h=7 m=56 s=58
